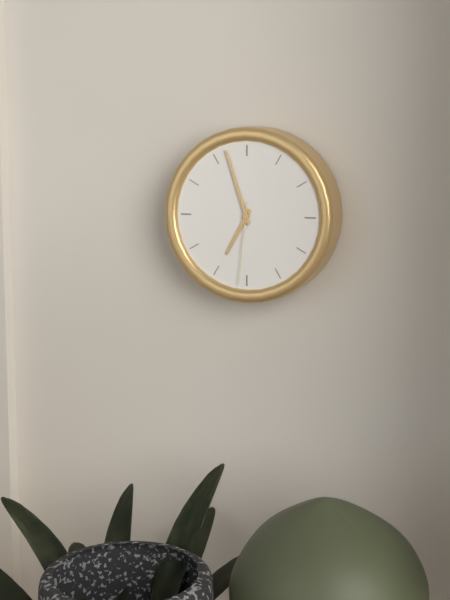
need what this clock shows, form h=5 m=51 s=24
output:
h=6 m=57 s=31
